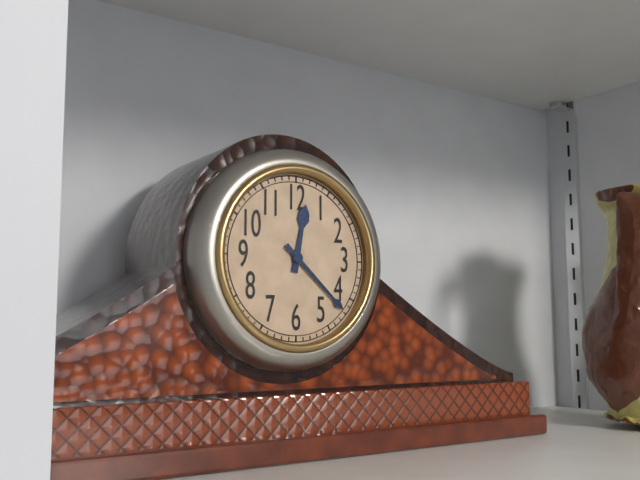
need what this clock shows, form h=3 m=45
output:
h=12 m=22
